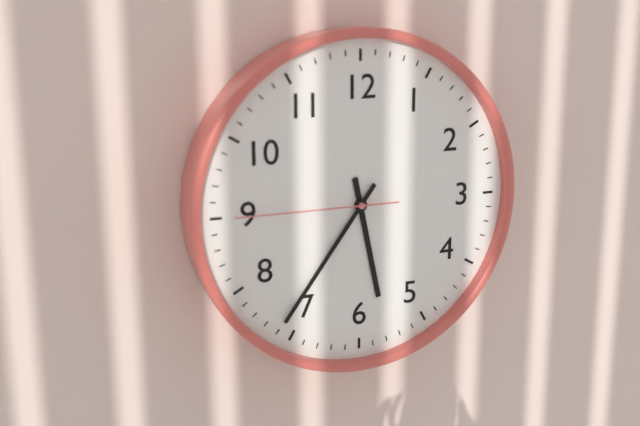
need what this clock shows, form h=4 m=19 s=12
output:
h=5 m=36 s=45
